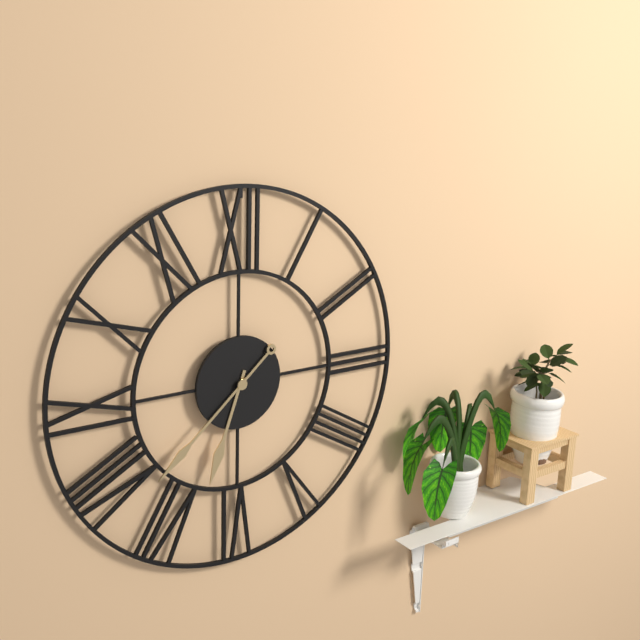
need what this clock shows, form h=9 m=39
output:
h=6 m=38
